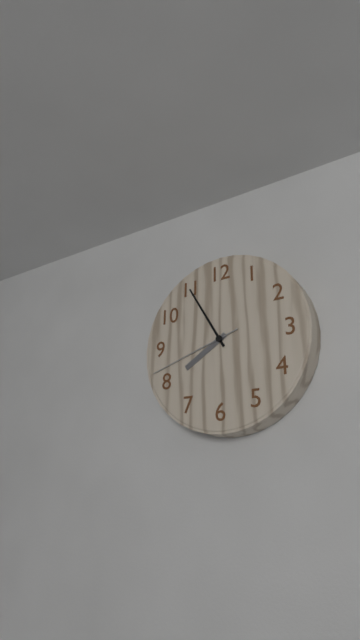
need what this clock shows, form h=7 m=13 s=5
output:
h=7 m=55 s=42
